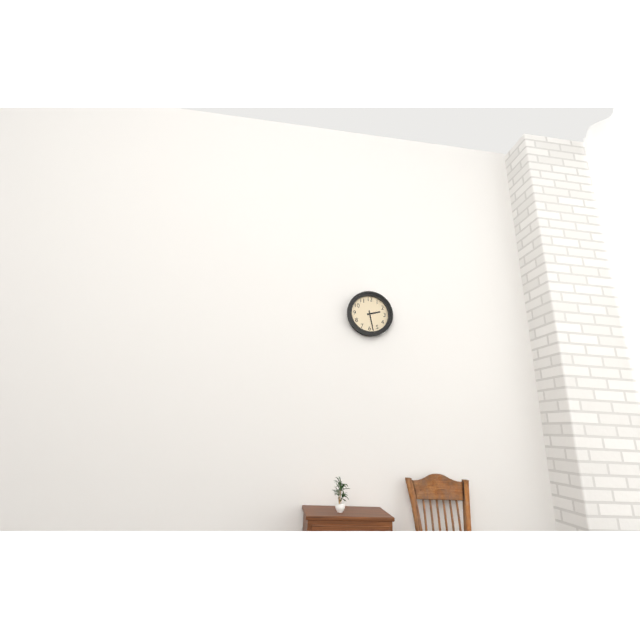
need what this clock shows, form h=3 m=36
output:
h=2 m=28
